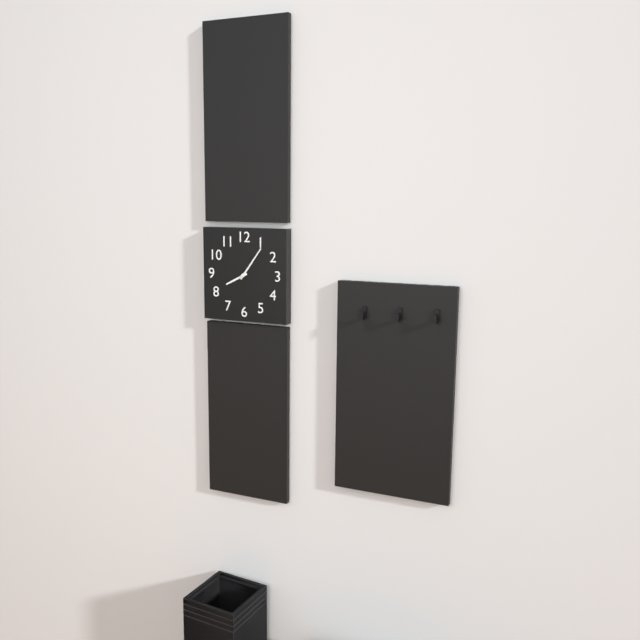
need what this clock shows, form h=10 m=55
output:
h=8 m=6
